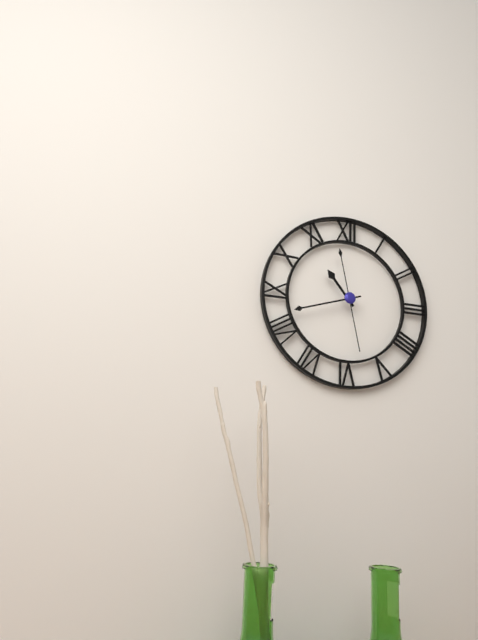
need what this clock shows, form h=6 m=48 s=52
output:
h=10 m=42 s=28
